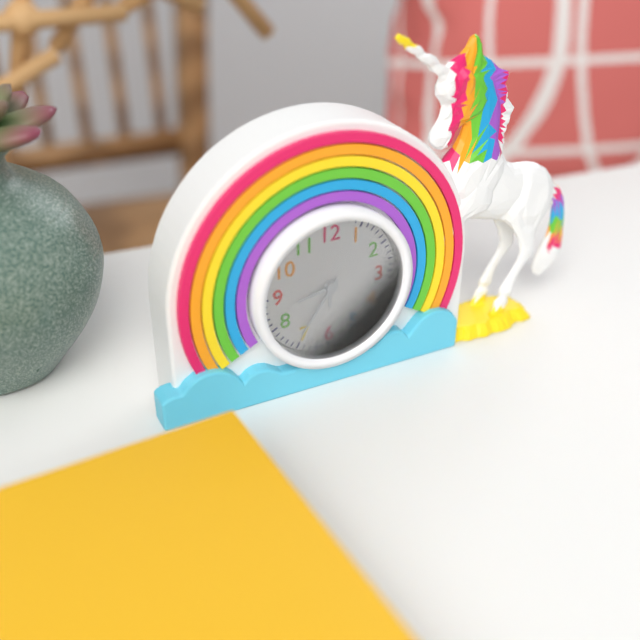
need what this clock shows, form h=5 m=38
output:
h=8 m=36
